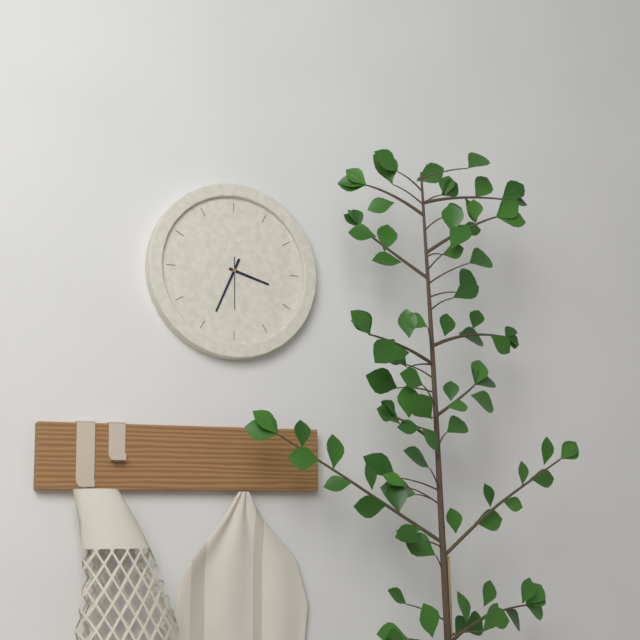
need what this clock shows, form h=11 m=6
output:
h=3 m=34
